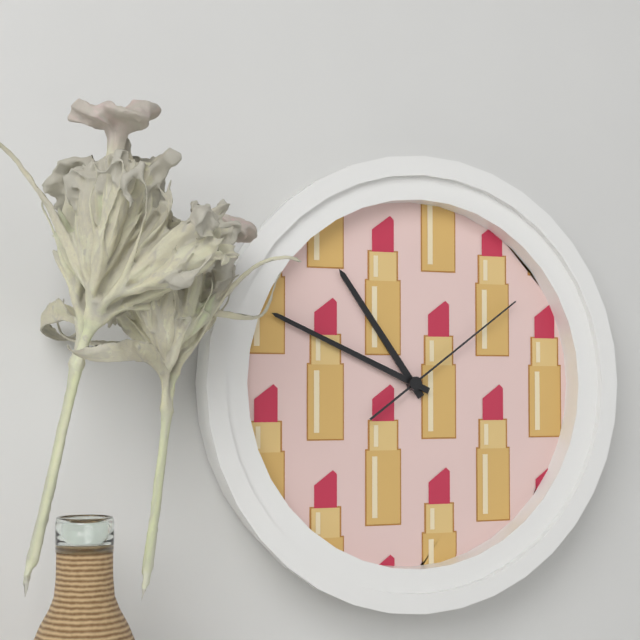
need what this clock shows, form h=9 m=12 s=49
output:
h=10 m=49 s=9
